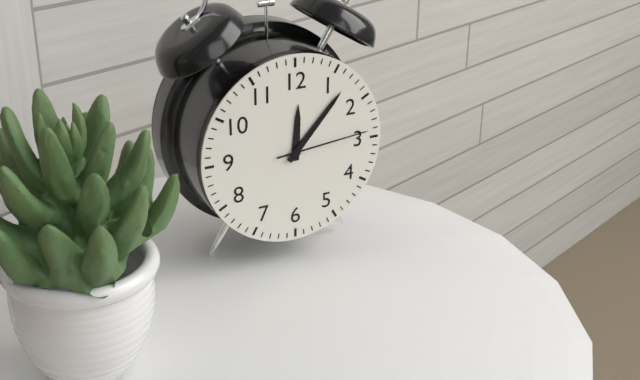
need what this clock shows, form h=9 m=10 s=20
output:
h=12 m=7 s=14
